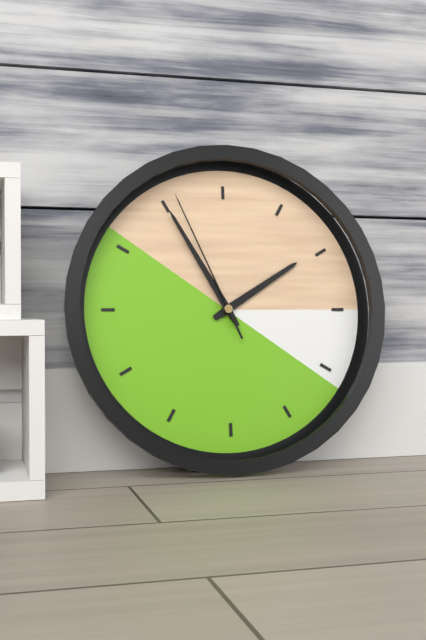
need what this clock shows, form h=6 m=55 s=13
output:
h=1 m=55 s=56
